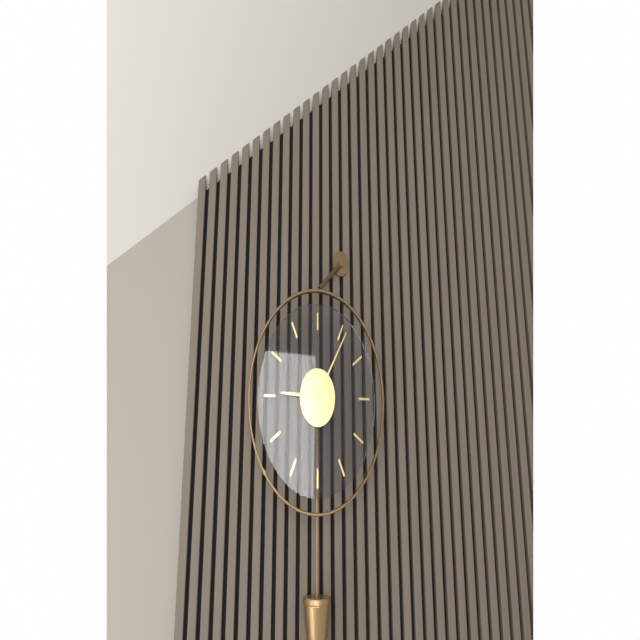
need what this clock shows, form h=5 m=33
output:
h=9 m=6
